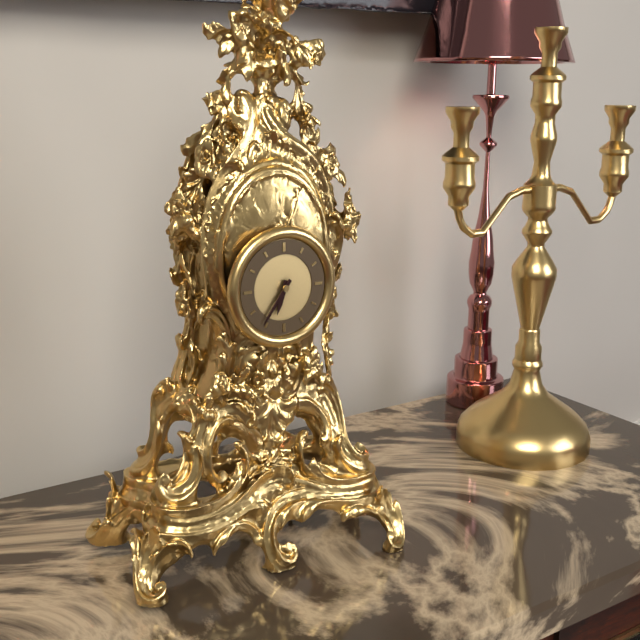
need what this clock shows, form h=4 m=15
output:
h=6 m=36
